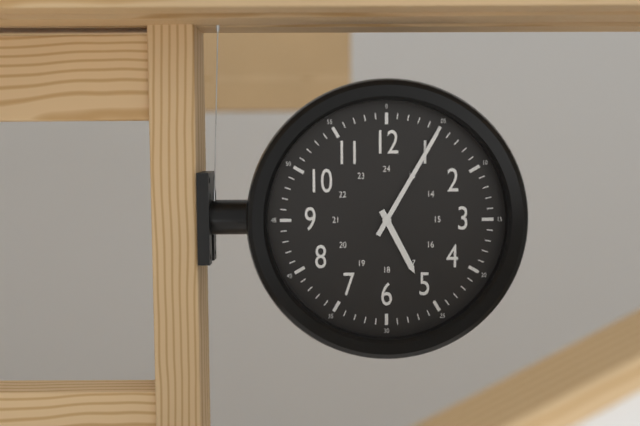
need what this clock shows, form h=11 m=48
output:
h=5 m=5
